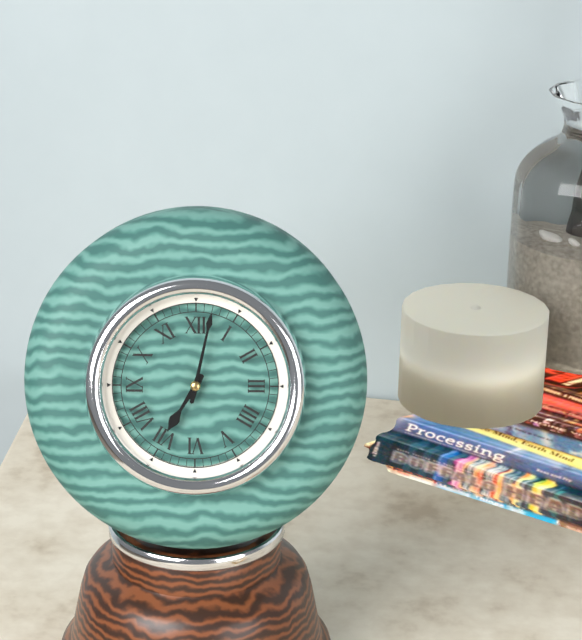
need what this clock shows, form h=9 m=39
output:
h=7 m=2
